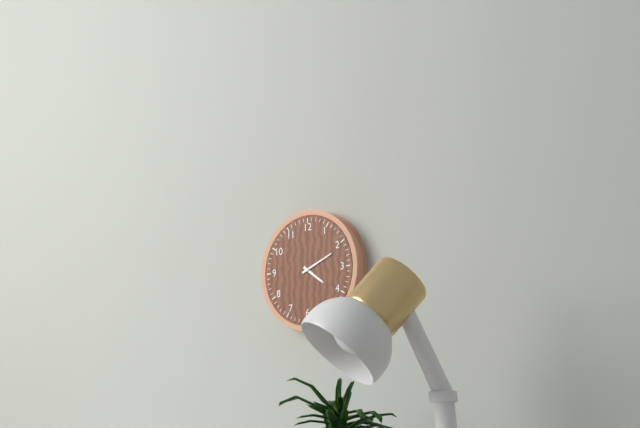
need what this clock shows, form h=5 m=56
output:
h=4 m=11
